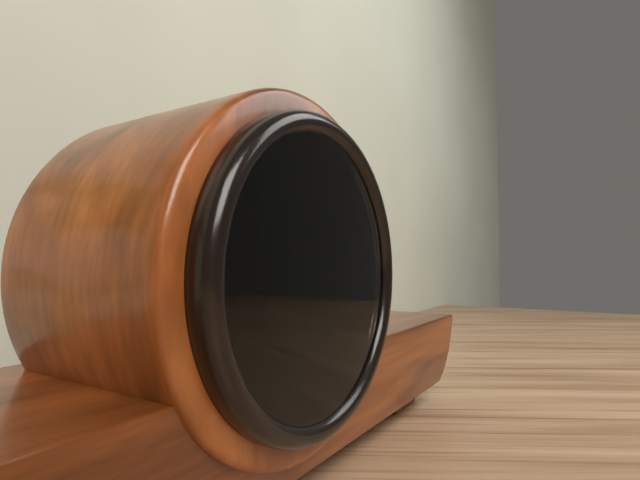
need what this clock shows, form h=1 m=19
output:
h=8 m=20
